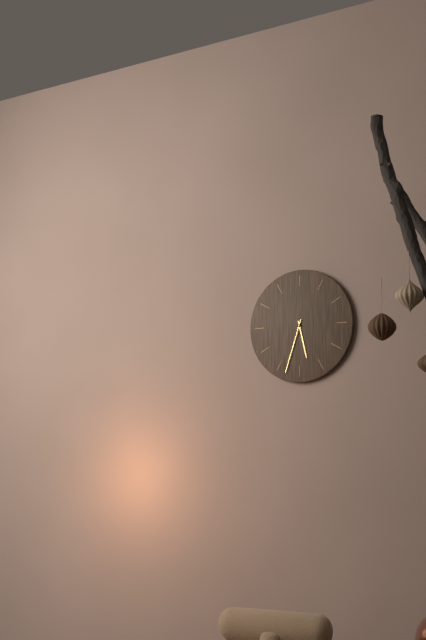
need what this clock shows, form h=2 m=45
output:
h=5 m=33
